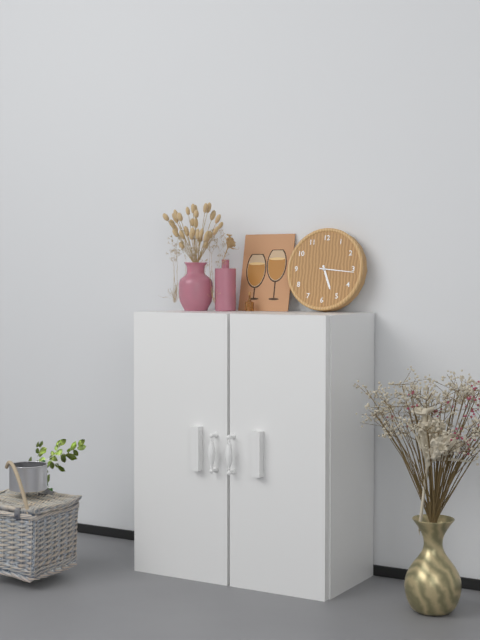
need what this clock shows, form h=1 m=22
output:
h=5 m=16
